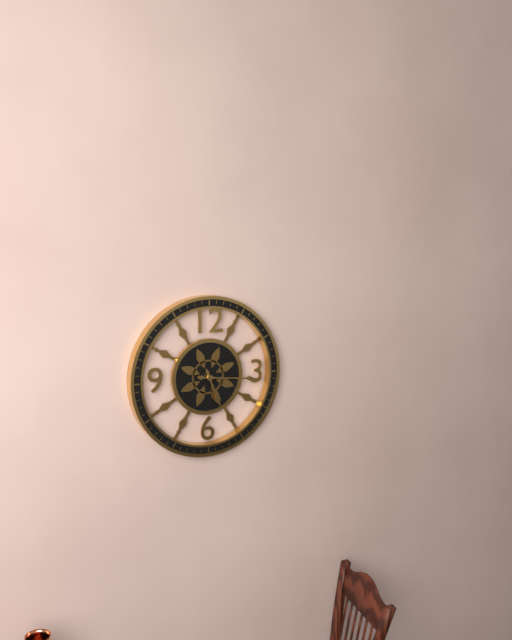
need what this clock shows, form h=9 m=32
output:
h=5 m=16
